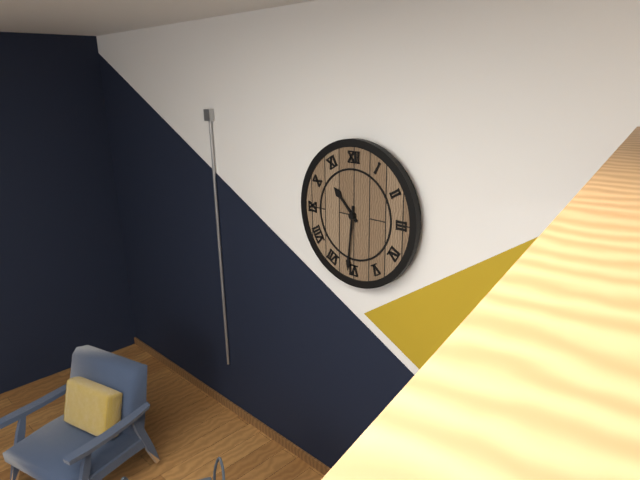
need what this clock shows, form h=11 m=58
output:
h=10 m=31
